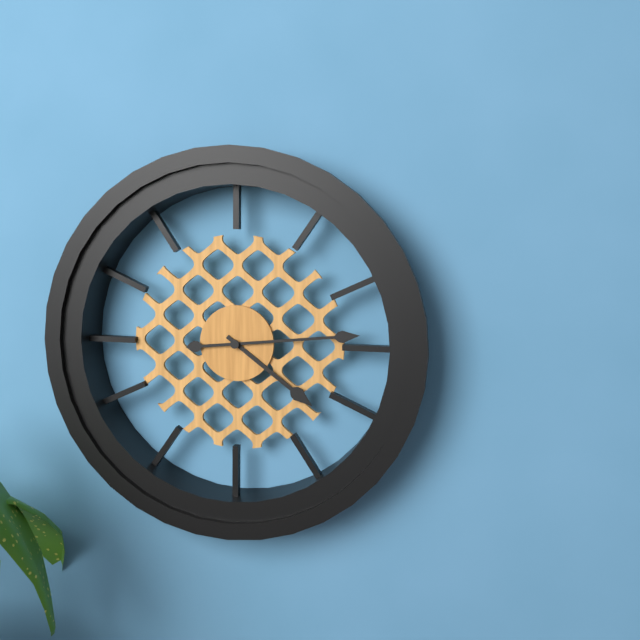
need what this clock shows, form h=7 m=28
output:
h=4 m=14
